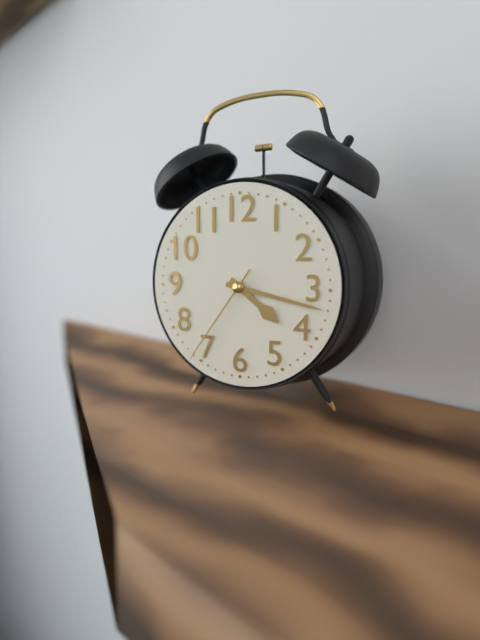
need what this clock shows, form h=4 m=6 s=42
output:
h=4 m=17 s=36
